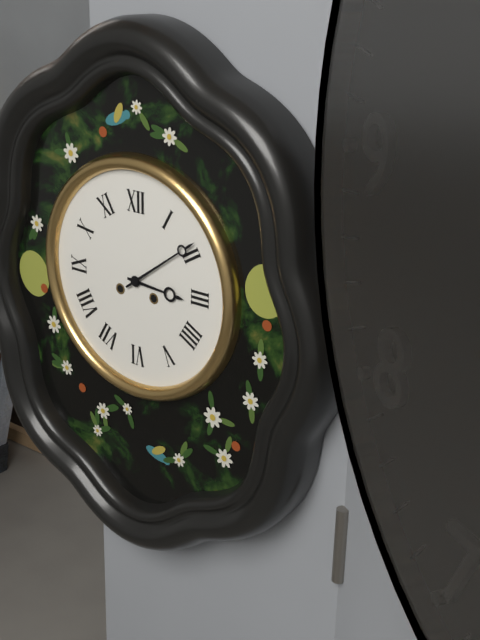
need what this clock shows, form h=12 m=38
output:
h=3 m=9
